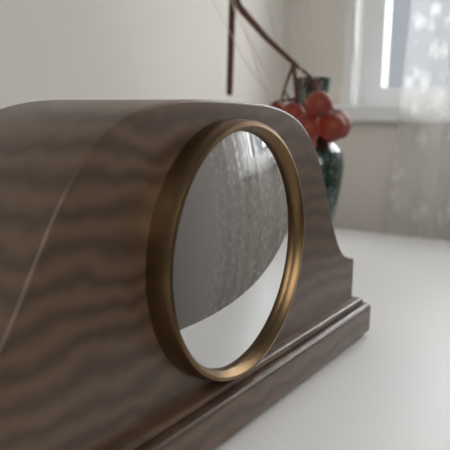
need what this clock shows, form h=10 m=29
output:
h=1 m=25
